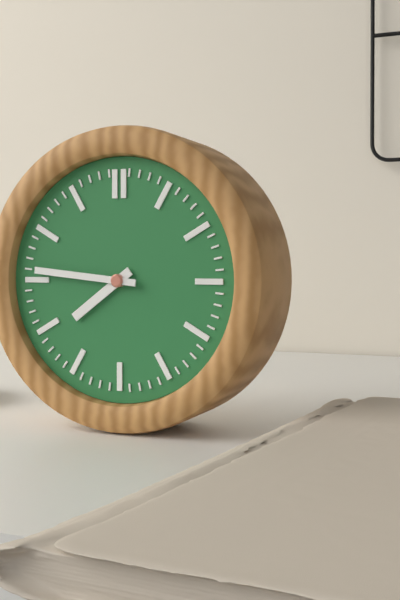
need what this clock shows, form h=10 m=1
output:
h=7 m=46
